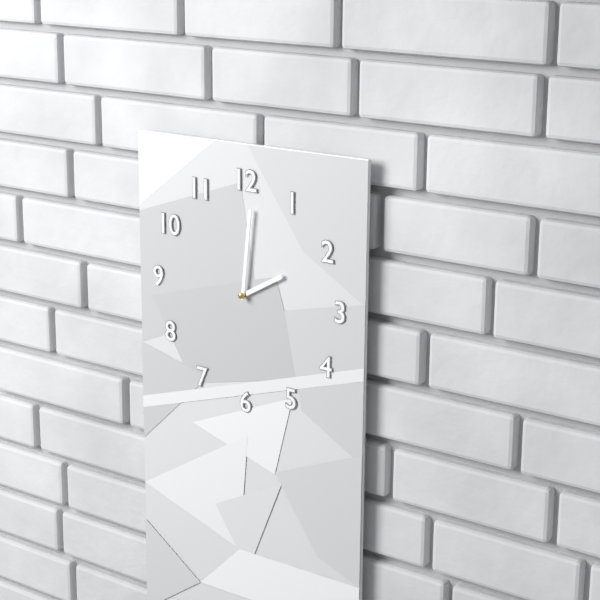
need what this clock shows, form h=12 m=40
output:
h=2 m=1
